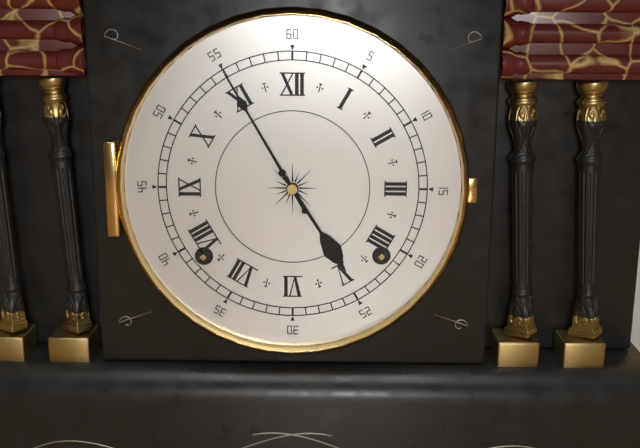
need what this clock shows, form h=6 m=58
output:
h=4 m=55
